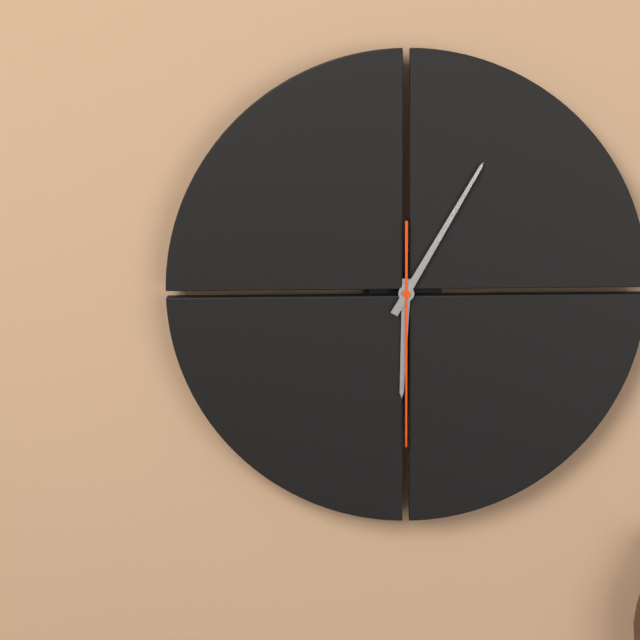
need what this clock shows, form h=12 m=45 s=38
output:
h=6 m=5 s=30
